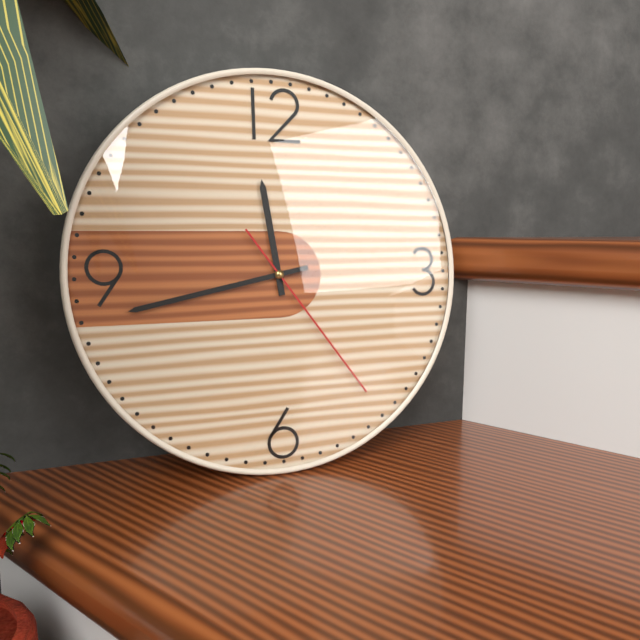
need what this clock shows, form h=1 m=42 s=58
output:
h=11 m=43 s=24
